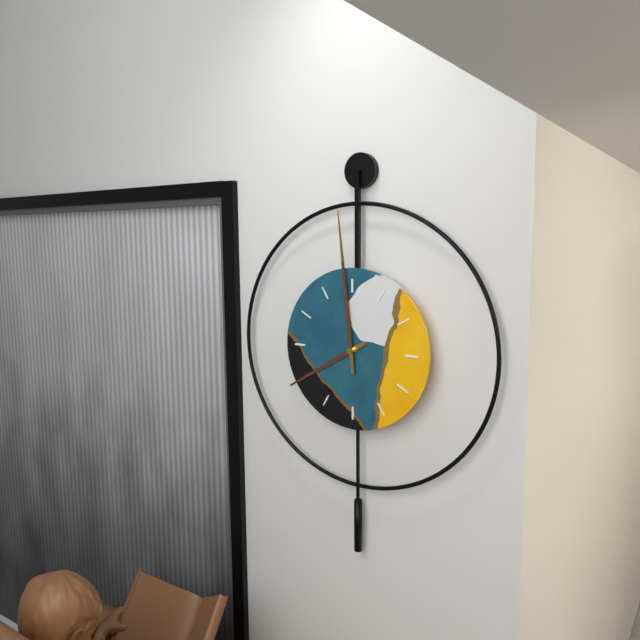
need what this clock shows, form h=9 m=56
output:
h=7 m=59
